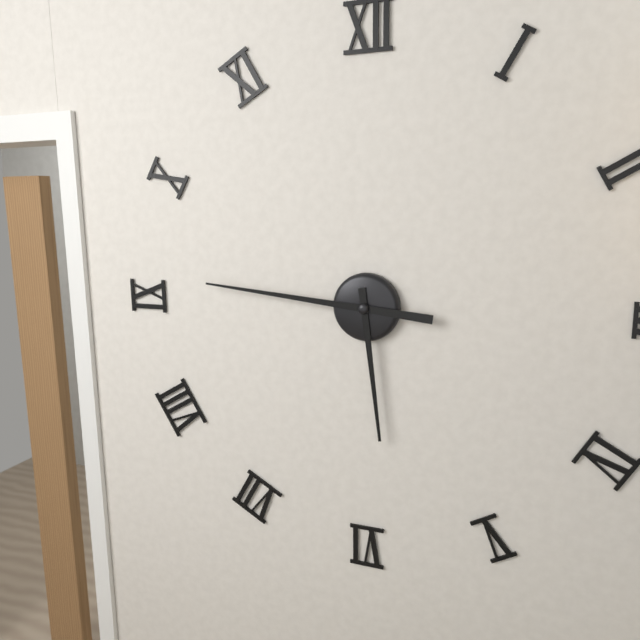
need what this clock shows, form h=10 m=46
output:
h=5 m=46
